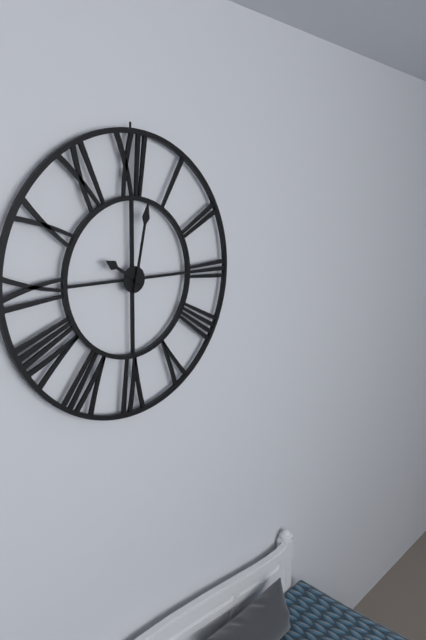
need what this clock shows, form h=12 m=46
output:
h=10 m=2
